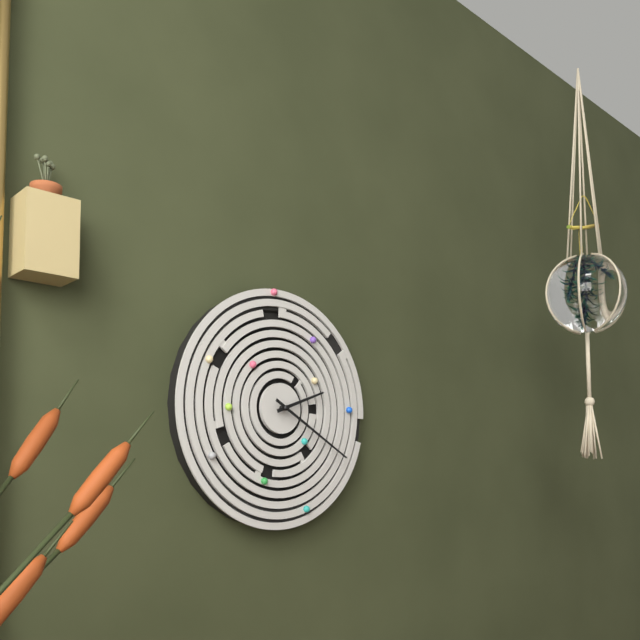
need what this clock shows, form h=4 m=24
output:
h=2 m=20
